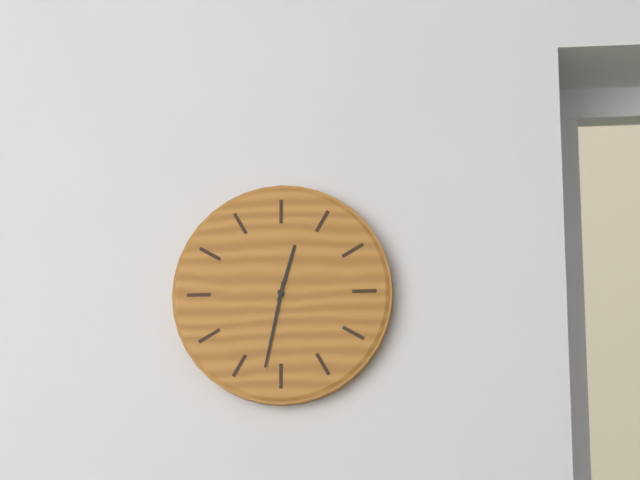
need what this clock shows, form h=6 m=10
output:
h=12 m=32
